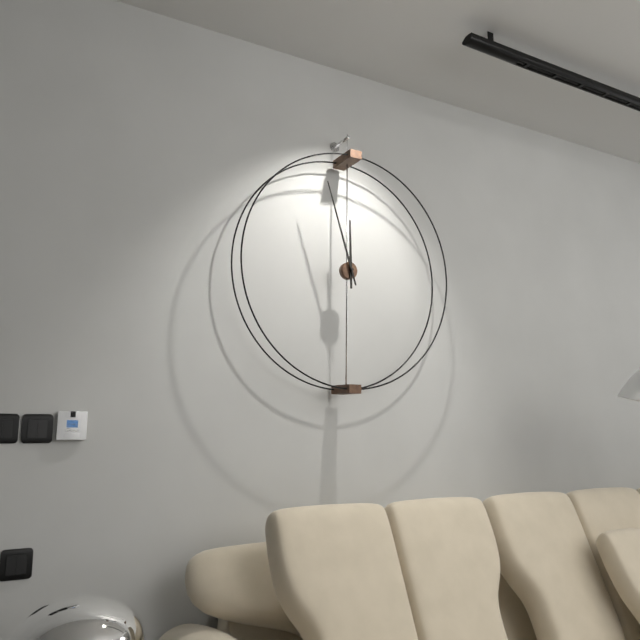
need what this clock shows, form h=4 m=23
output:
h=11 m=57
